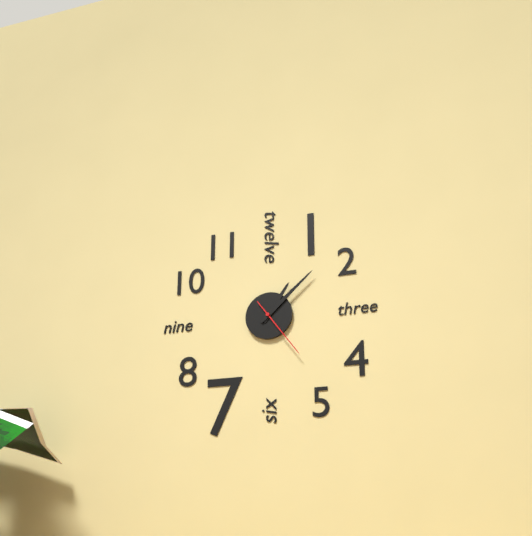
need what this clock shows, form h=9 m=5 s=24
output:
h=1 m=8 s=24
